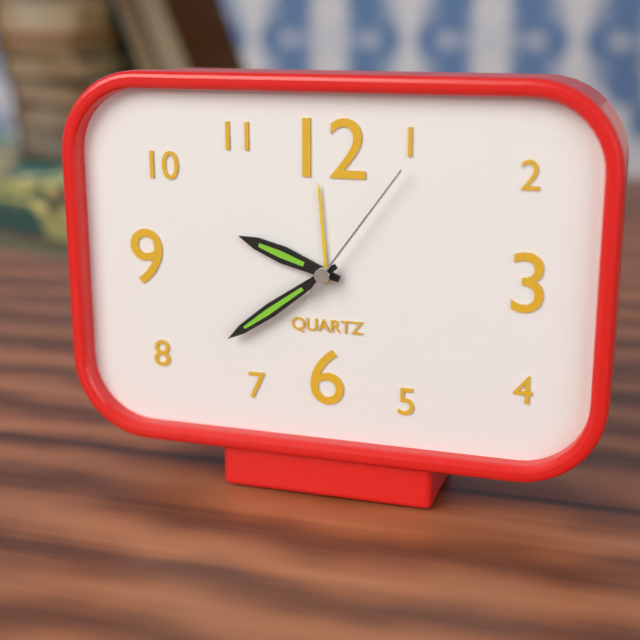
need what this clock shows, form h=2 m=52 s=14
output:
h=9 m=39 s=6
